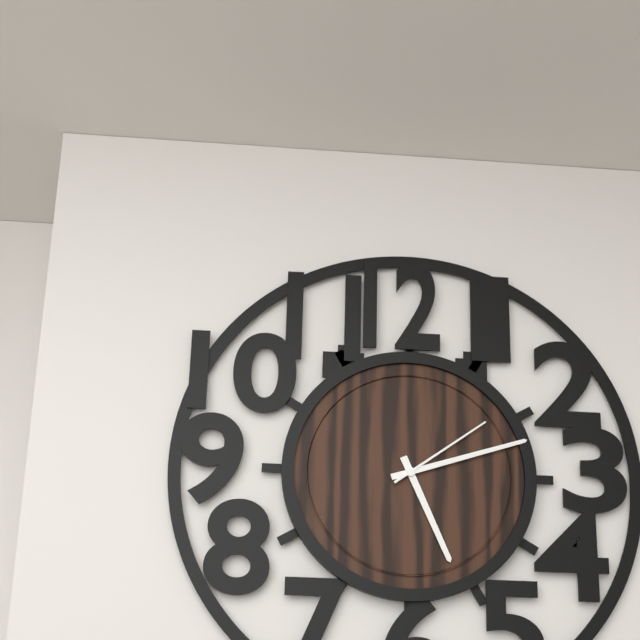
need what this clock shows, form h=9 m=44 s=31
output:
h=5 m=12 s=9
